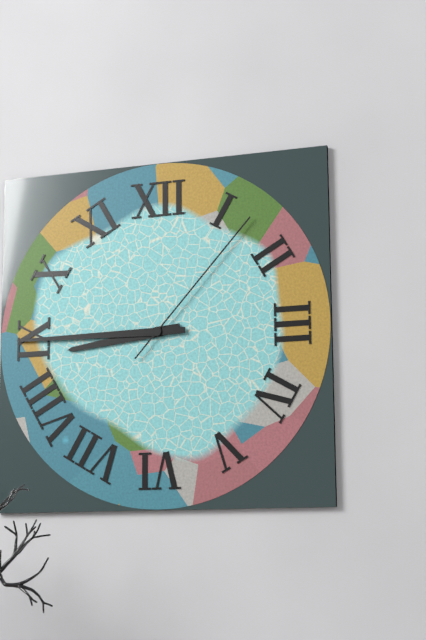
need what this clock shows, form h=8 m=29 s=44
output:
h=8 m=45 s=7
